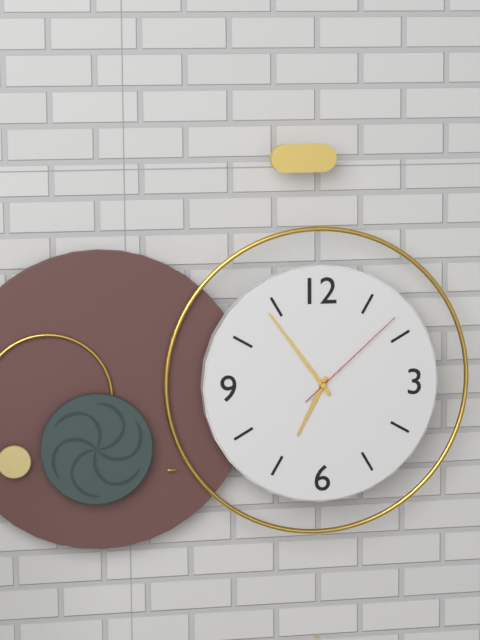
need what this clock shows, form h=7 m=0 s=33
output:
h=6 m=54 s=8
